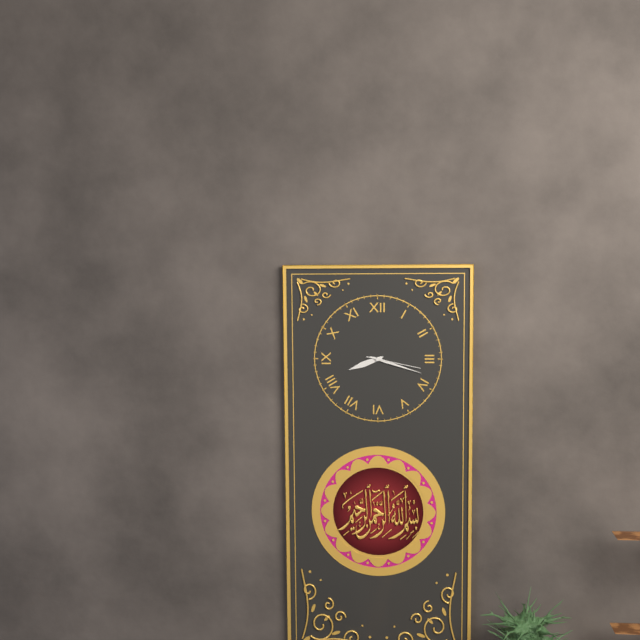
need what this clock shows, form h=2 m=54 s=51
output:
h=8 m=18 s=17
